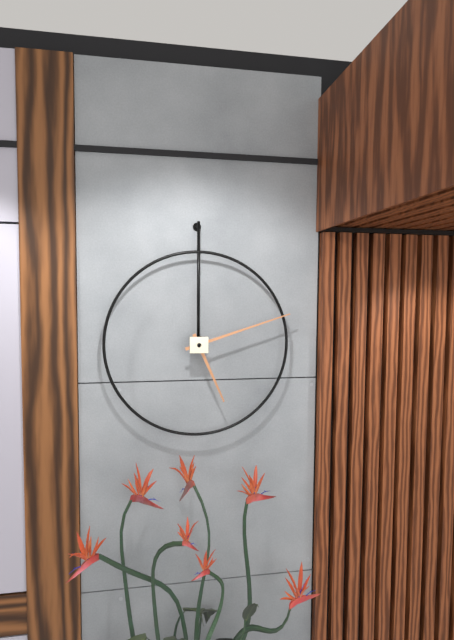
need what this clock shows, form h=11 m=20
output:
h=5 m=12
